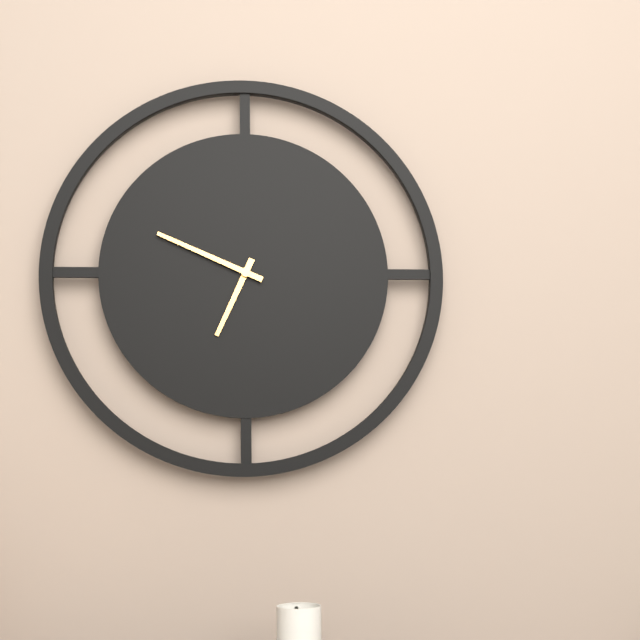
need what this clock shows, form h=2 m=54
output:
h=6 m=49
